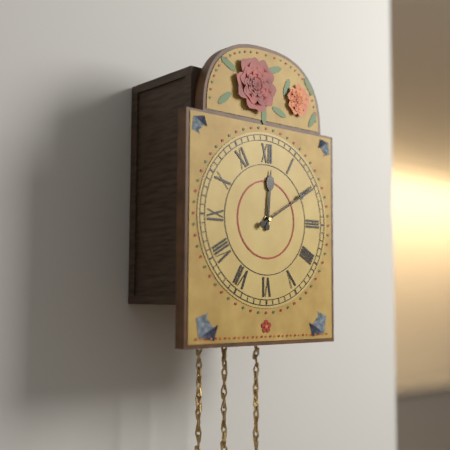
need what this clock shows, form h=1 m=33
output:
h=12 m=10
